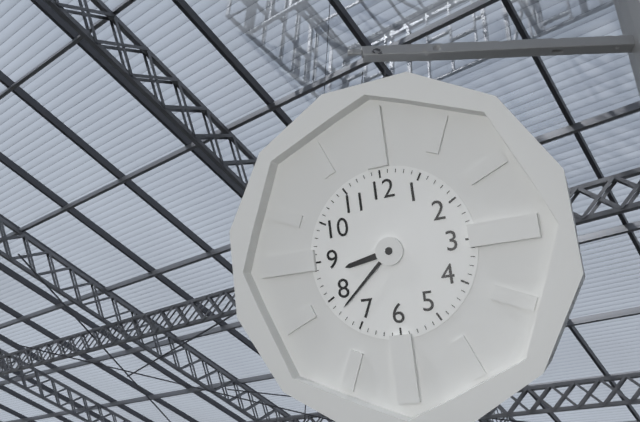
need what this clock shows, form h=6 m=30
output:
h=8 m=38
